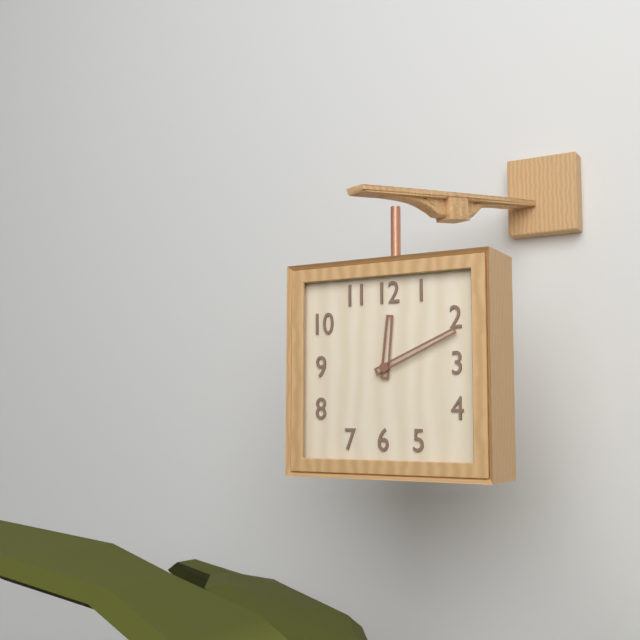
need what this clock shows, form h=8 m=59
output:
h=12 m=11
